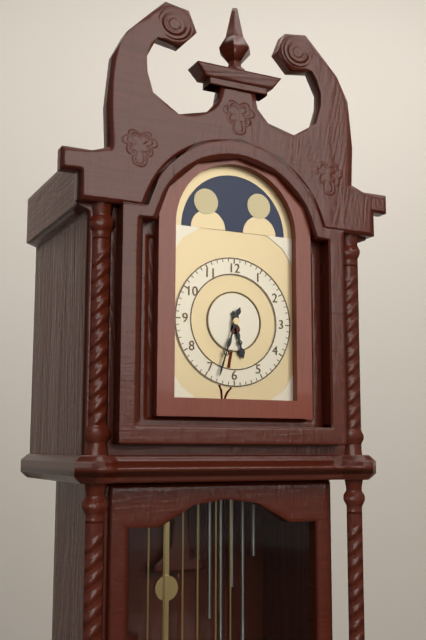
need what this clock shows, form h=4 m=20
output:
h=5 m=33
